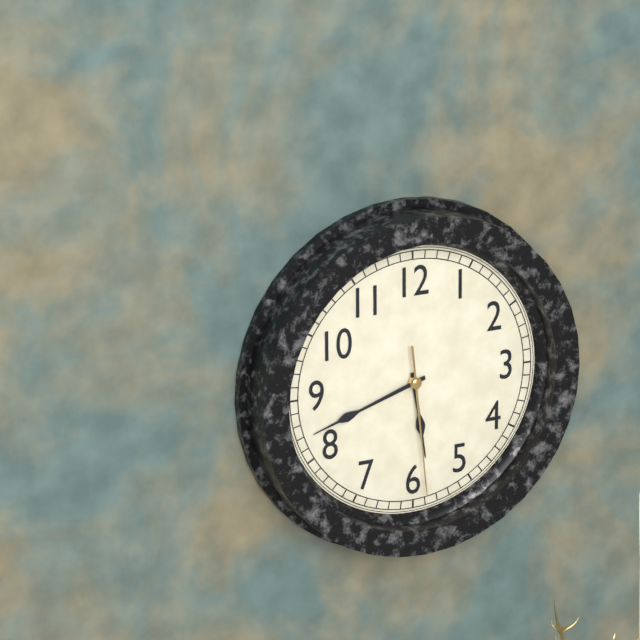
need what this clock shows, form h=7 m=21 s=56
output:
h=5 m=42 s=29
